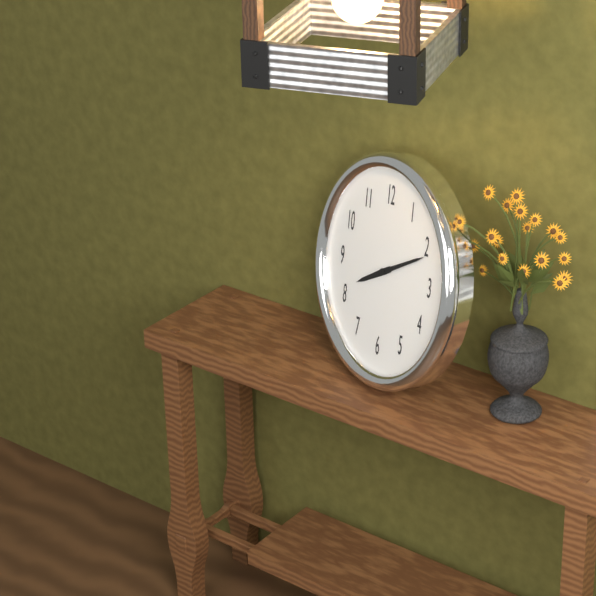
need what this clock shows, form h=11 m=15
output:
h=8 m=11
